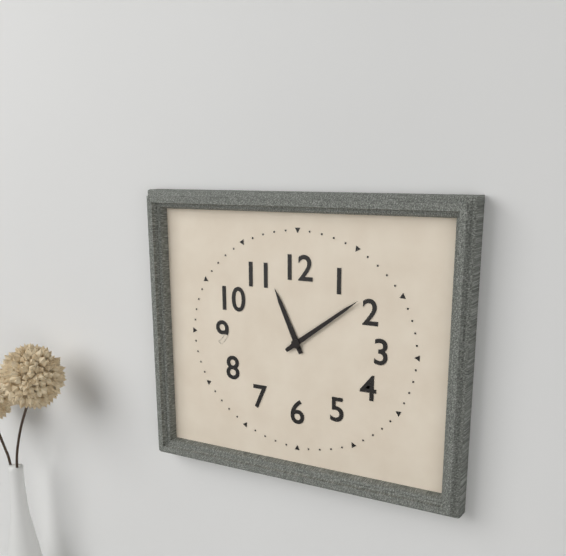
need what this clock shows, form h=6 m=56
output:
h=11 m=9
